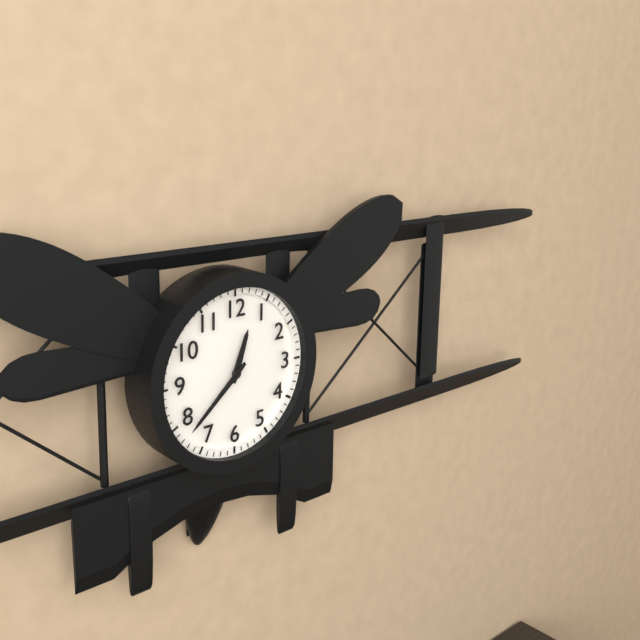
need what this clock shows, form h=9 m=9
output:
h=12 m=38
